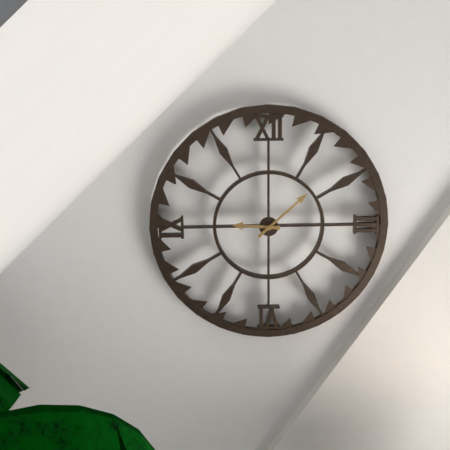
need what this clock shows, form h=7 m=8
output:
h=9 m=8
